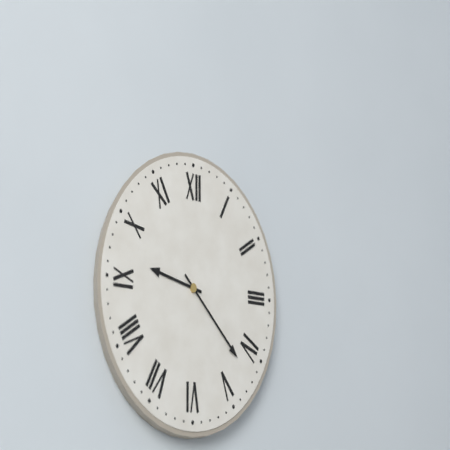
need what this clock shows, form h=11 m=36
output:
h=9 m=22
